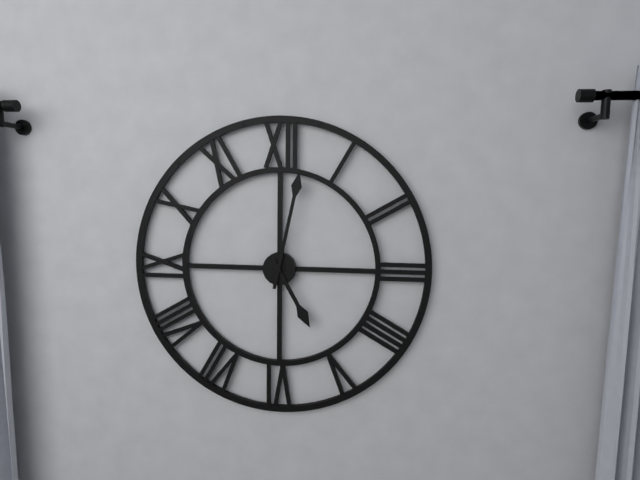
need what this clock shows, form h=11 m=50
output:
h=5 m=2
